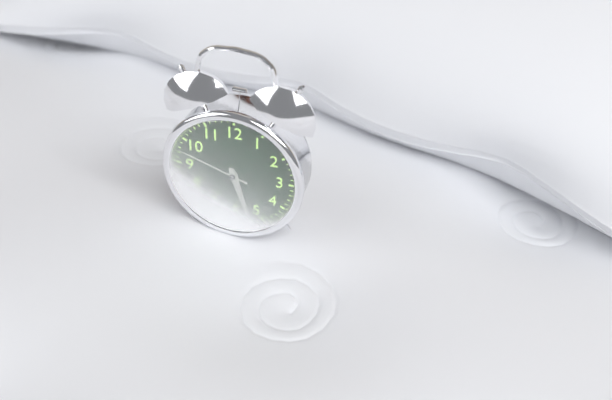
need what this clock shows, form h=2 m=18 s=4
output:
h=5 m=27 s=48
